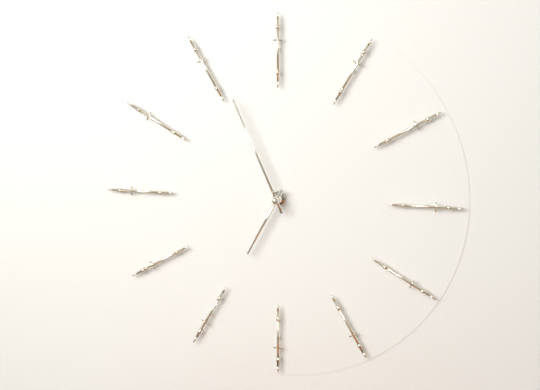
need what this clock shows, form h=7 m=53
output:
h=6 m=56
